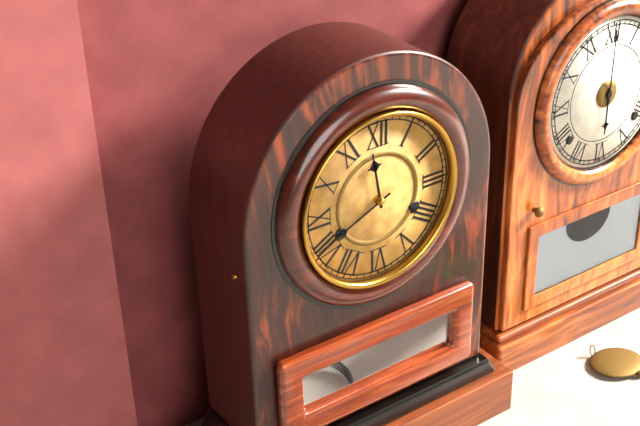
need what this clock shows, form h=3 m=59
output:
h=11 m=41
